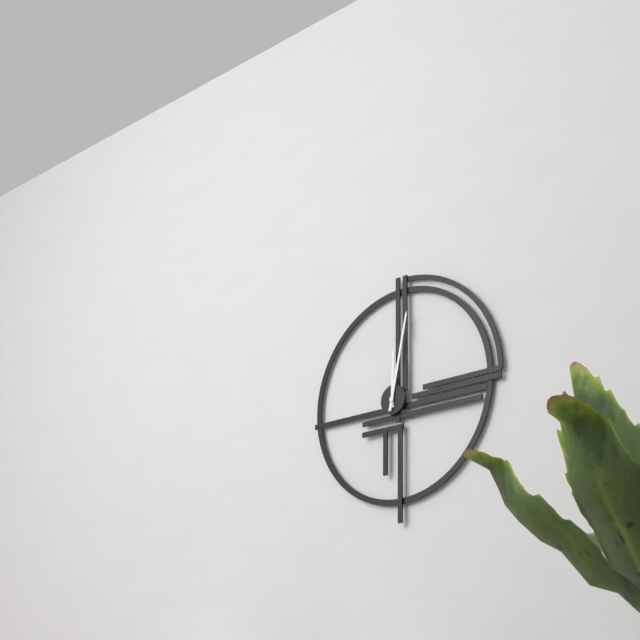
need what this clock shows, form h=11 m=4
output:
h=12 m=2
